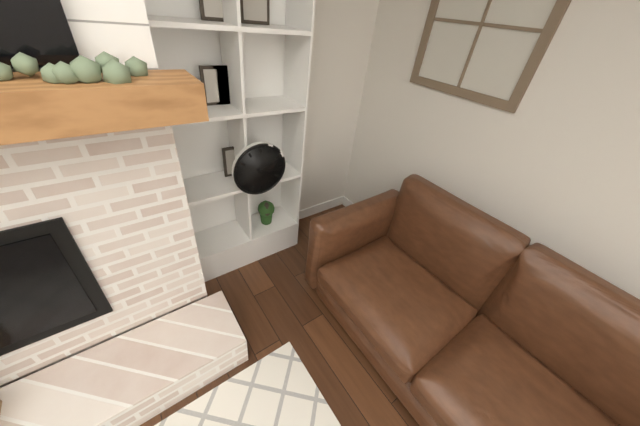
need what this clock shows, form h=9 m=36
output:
h=2 m=18
